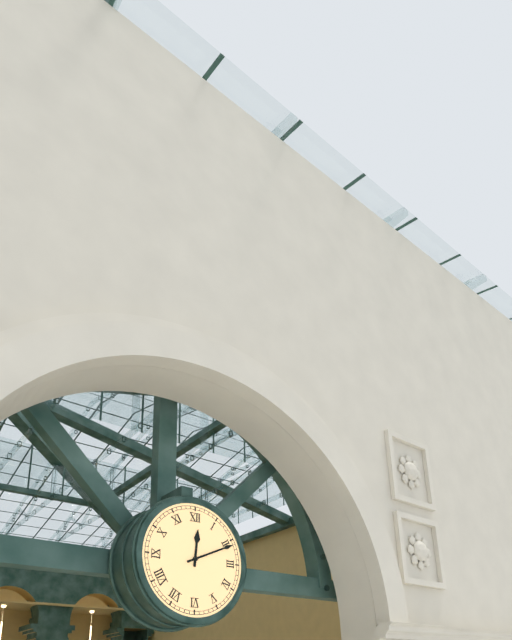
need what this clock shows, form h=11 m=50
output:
h=12 m=11
